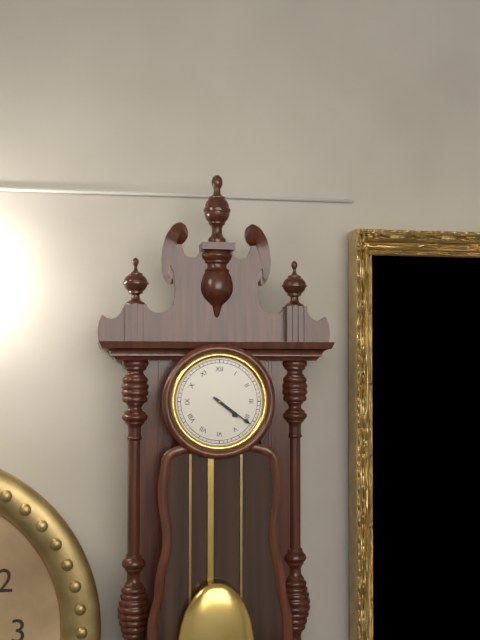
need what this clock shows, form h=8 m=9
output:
h=4 m=21
